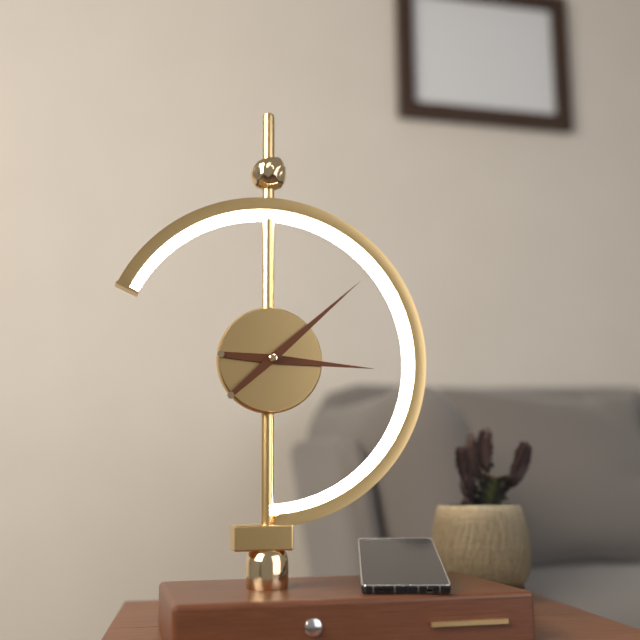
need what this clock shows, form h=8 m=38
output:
h=3 m=8
